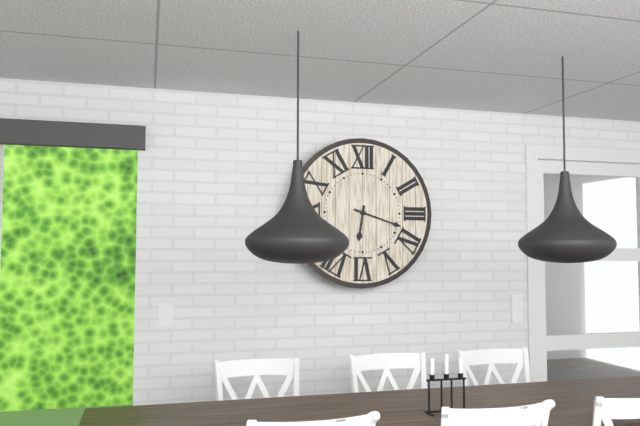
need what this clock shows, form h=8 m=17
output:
h=6 m=18
